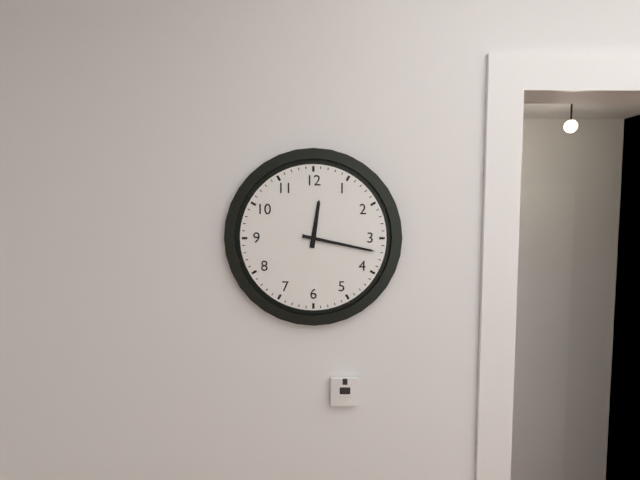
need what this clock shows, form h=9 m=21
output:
h=12 m=17
